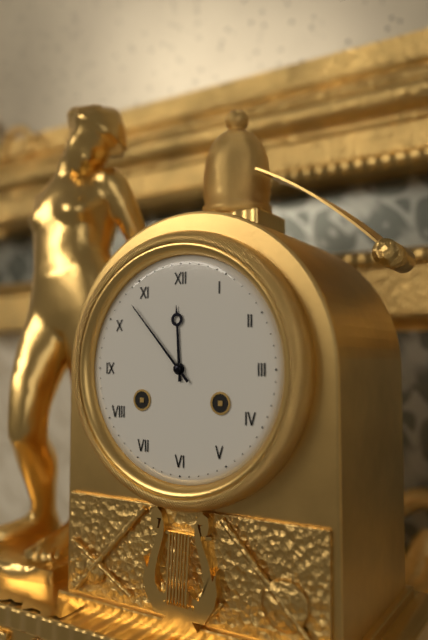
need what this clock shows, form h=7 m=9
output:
h=11 m=53
